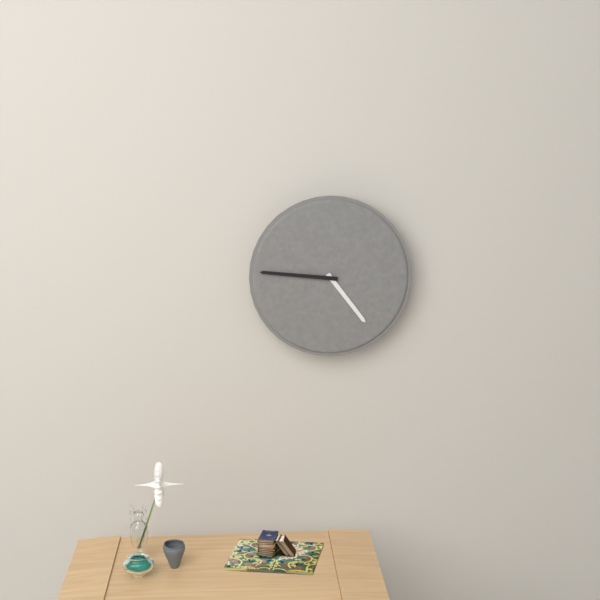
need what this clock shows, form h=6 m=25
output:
h=4 m=46
